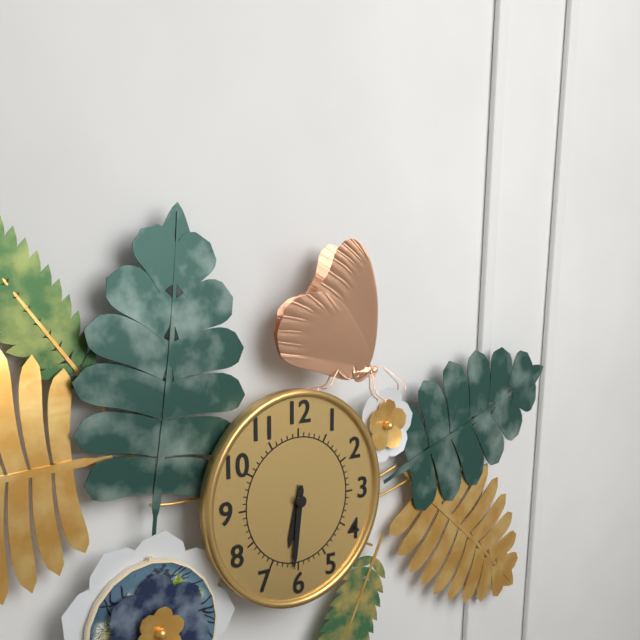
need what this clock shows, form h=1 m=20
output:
h=6 m=31
